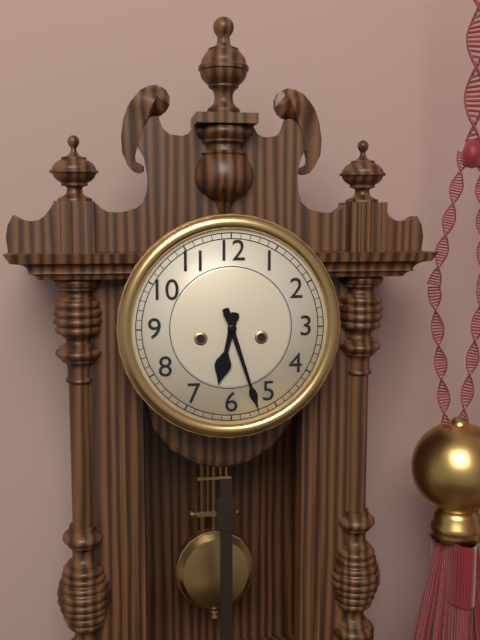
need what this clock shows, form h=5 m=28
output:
h=6 m=27
